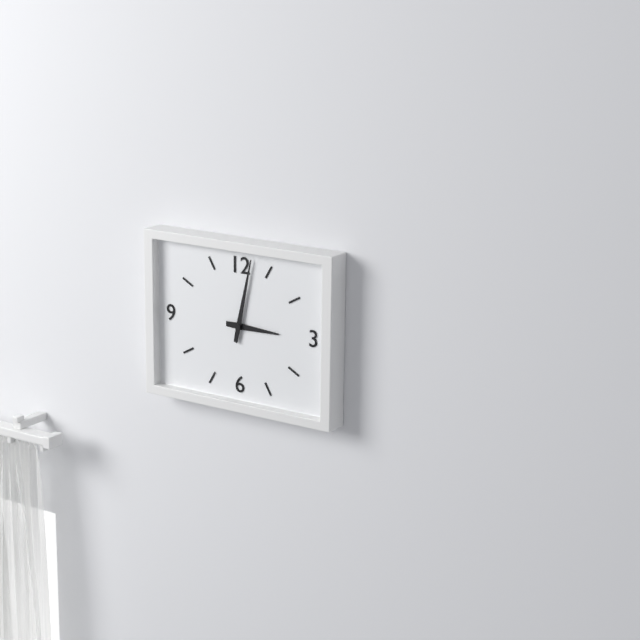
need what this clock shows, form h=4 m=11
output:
h=3 m=2
